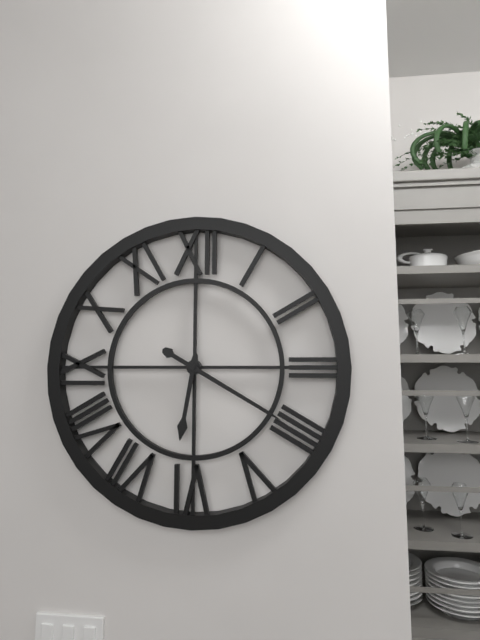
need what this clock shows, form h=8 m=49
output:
h=6 m=20
